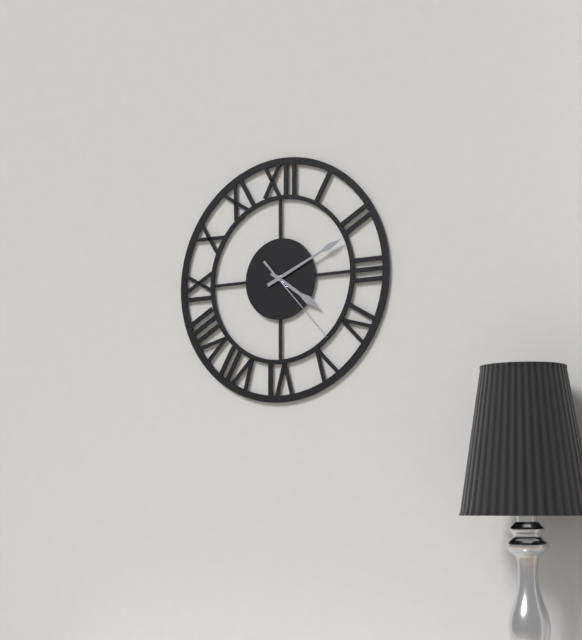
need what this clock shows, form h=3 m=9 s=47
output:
h=4 m=11 s=23
